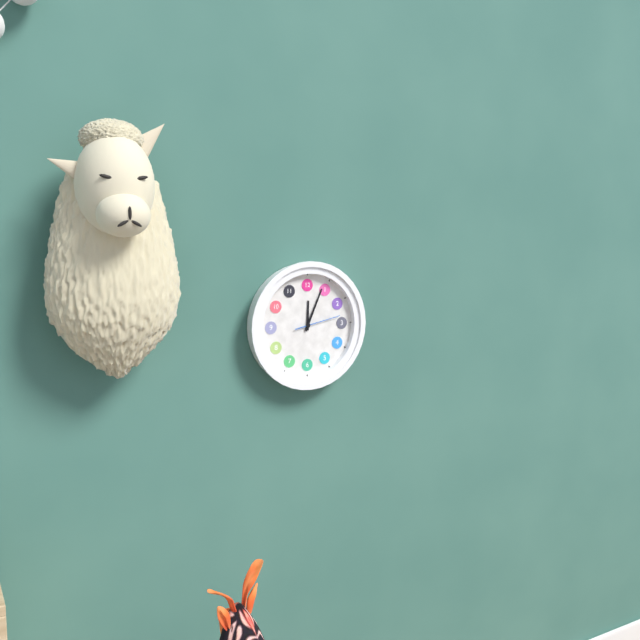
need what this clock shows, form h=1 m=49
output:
h=12 m=4
